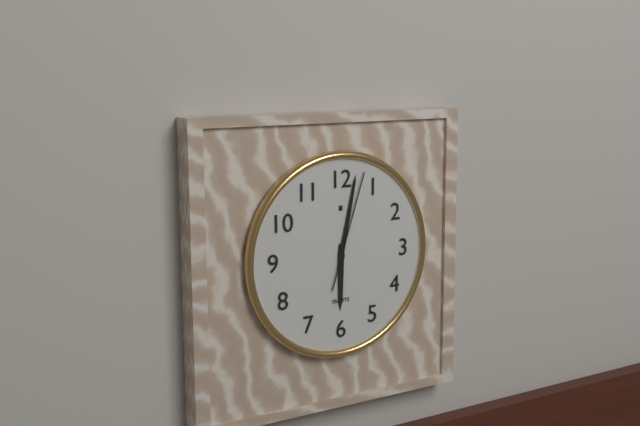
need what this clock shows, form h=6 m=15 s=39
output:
h=6 m=2 s=3
